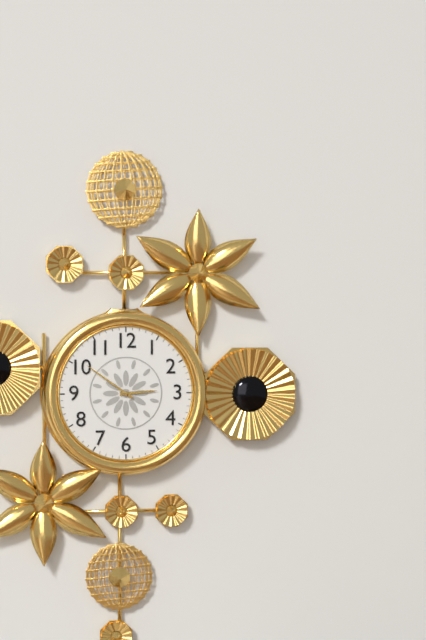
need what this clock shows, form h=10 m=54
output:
h=2 m=51
